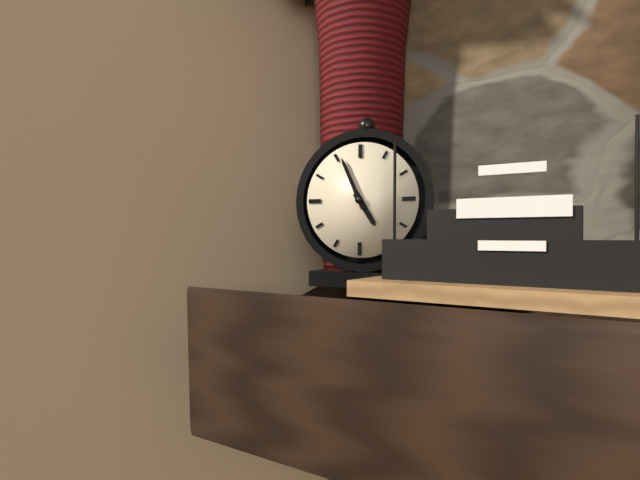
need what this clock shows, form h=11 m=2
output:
h=4 m=56
